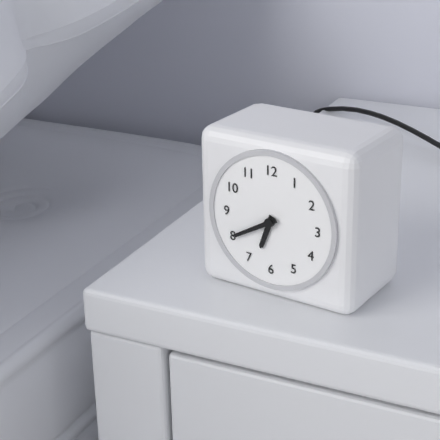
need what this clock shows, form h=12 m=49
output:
h=6 m=40
